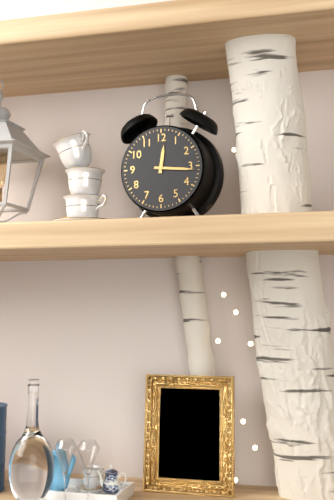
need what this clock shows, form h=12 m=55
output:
h=12 m=16
